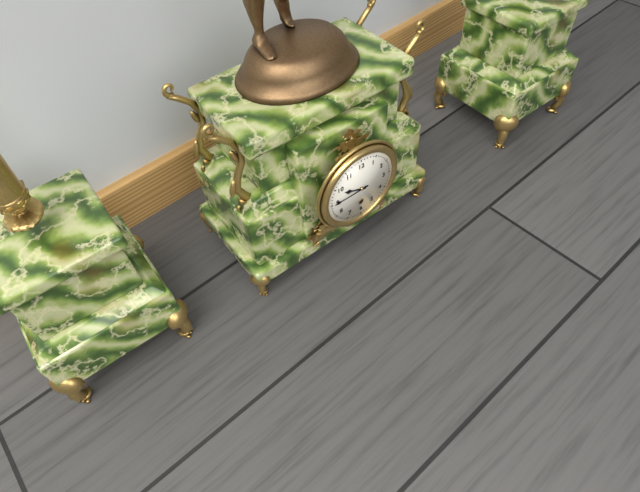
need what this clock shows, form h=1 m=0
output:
h=9 m=45
